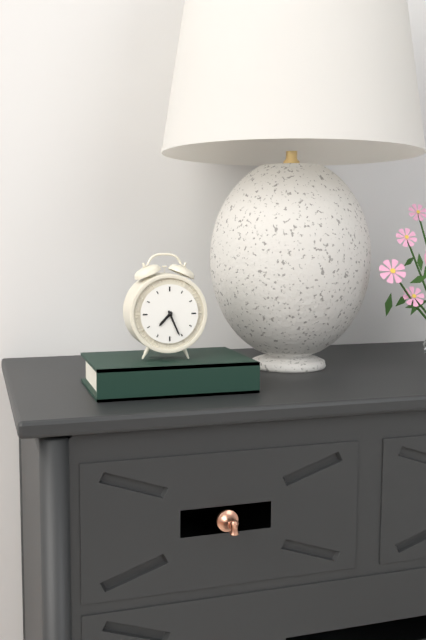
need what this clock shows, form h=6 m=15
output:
h=7 m=26
